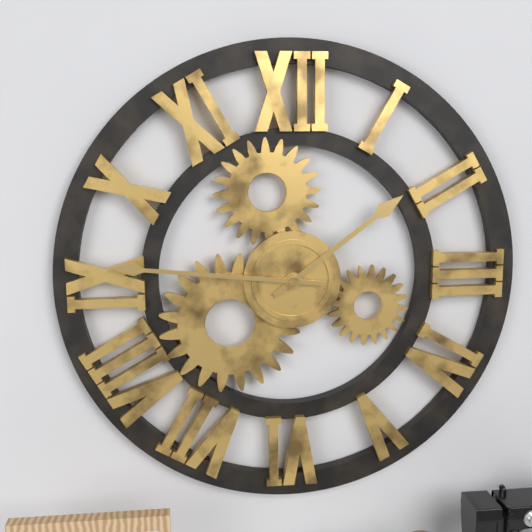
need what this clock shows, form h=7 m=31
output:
h=1 m=46
